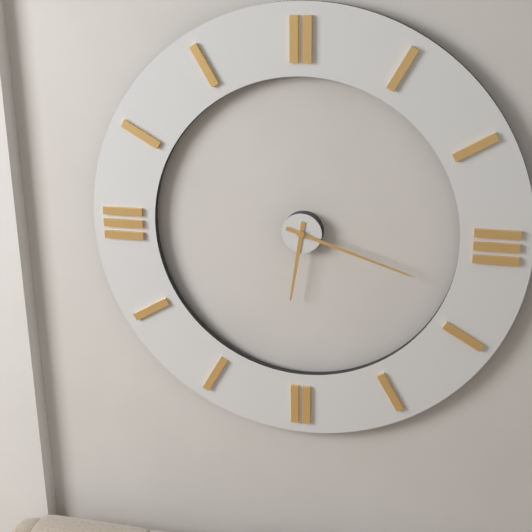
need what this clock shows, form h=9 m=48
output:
h=6 m=18
